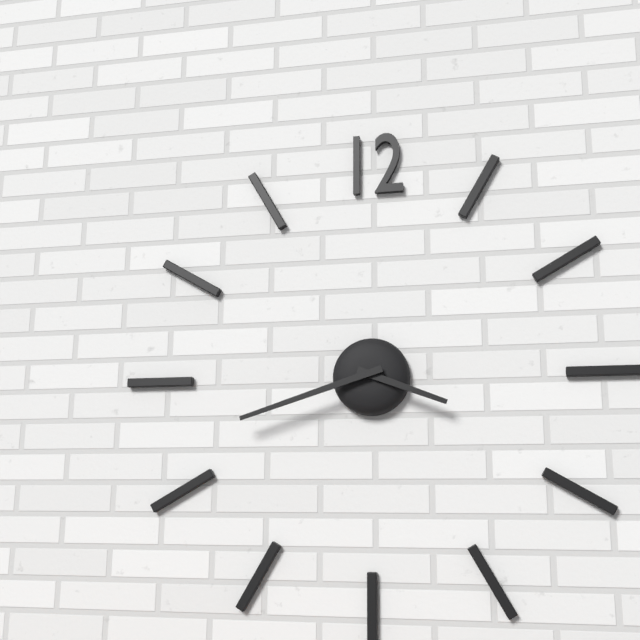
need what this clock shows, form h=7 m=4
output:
h=3 m=42
